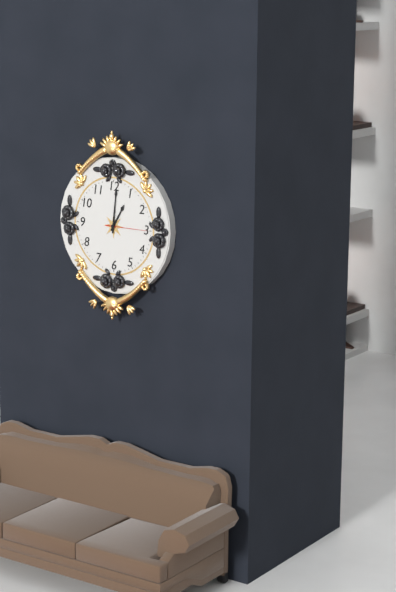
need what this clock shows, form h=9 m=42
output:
h=1 m=1
